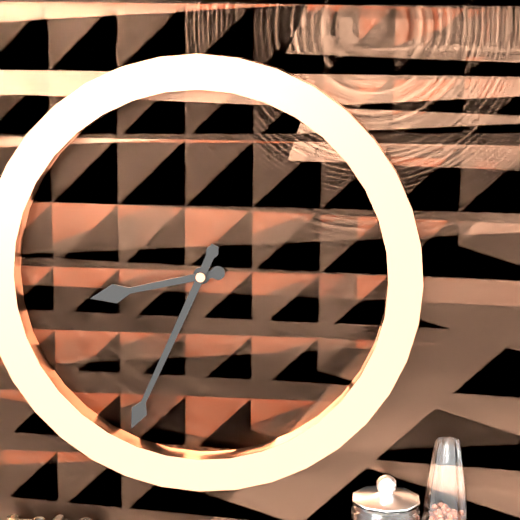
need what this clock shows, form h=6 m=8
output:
h=8 m=34
